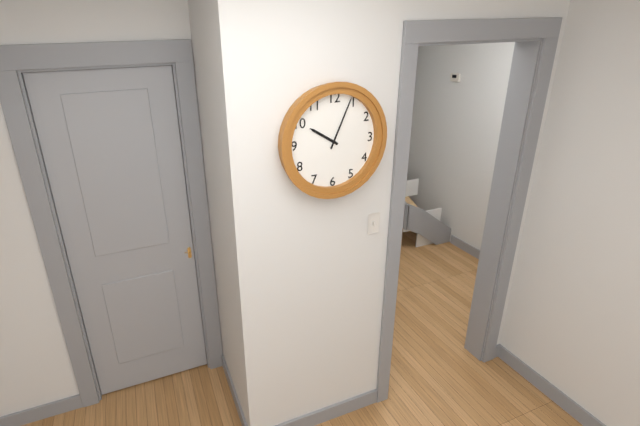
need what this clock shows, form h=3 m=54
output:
h=10 m=4
